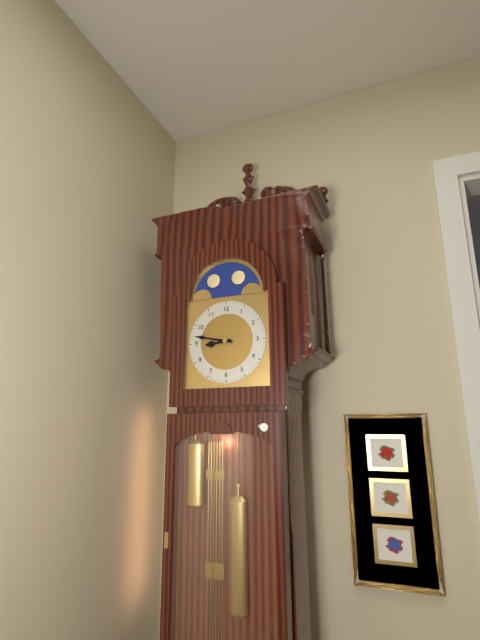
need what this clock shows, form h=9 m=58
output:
h=8 m=47
